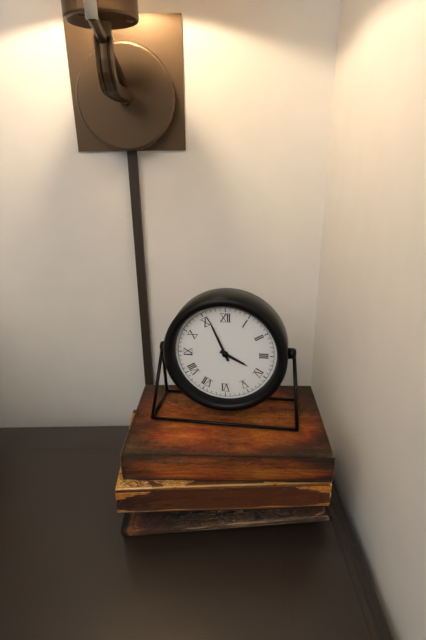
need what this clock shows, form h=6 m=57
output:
h=3 m=56
